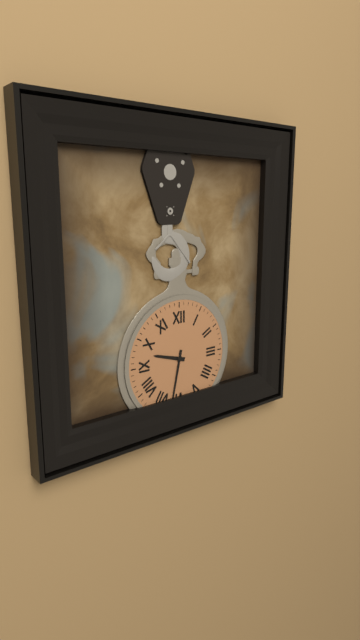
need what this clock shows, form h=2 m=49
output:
h=9 m=32
